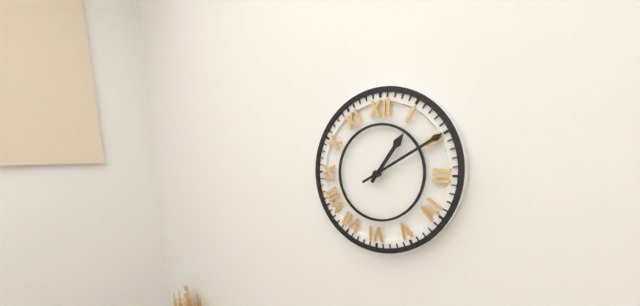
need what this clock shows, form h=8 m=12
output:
h=1 m=10
